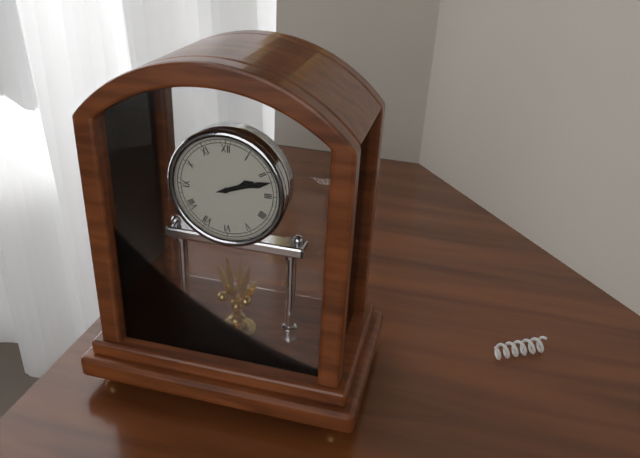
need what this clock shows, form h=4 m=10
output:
h=2 m=12
